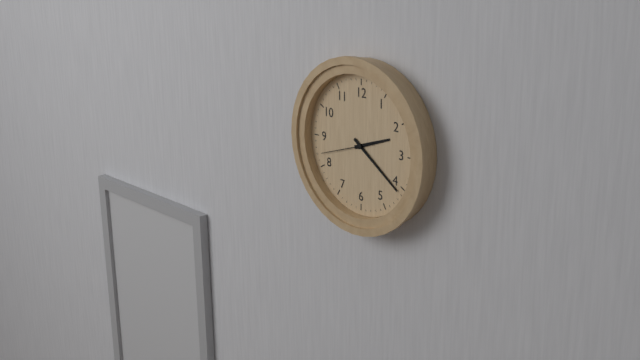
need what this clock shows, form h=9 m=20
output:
h=2 m=21
